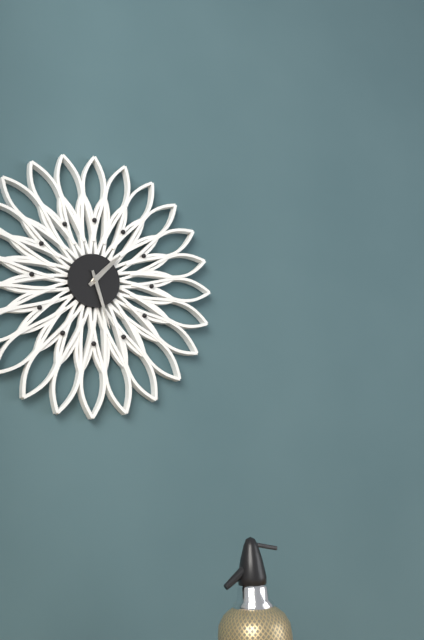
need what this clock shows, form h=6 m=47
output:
h=1 m=27
